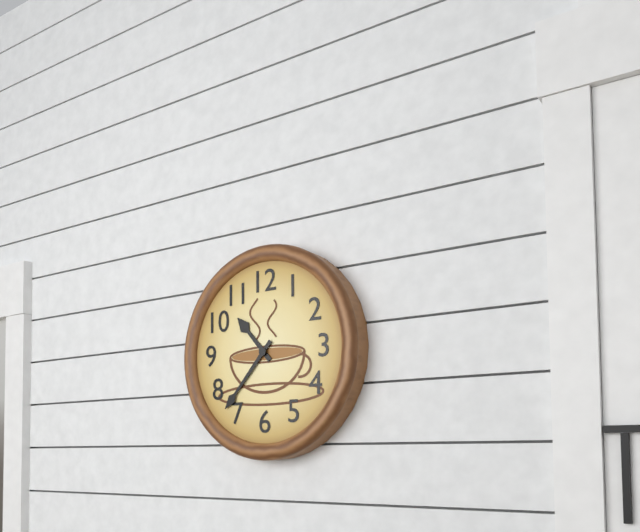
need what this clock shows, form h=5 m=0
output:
h=10 m=37
